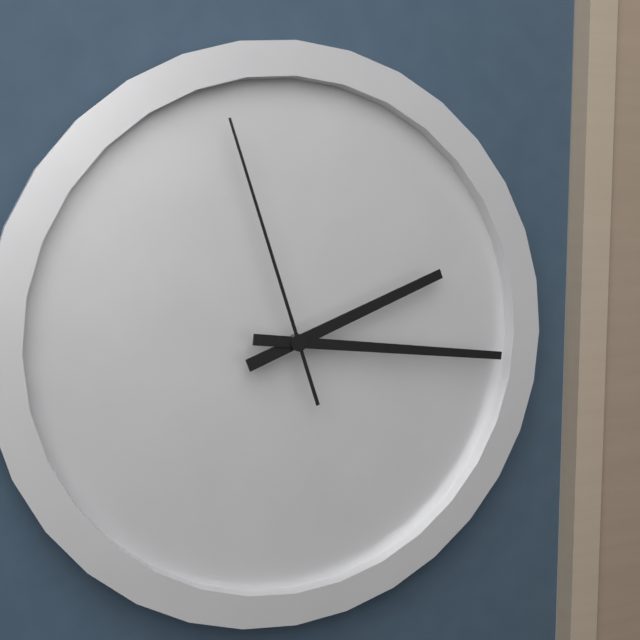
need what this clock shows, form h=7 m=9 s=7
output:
h=2 m=16 s=57
